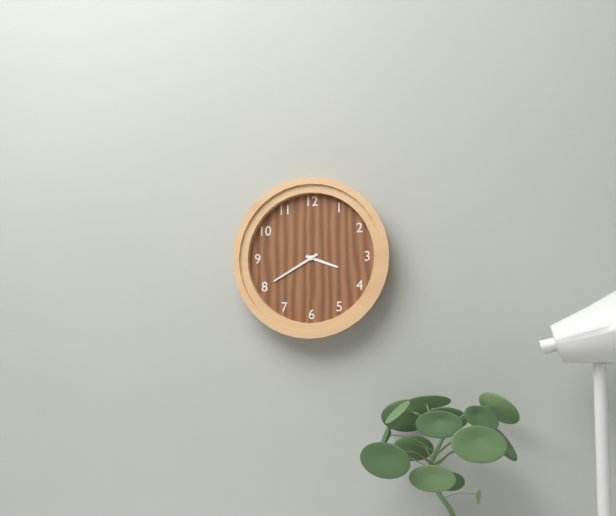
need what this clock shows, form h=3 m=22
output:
h=3 m=40
